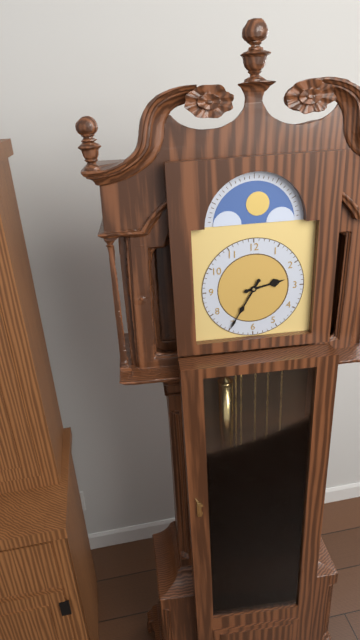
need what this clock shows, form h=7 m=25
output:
h=2 m=35
